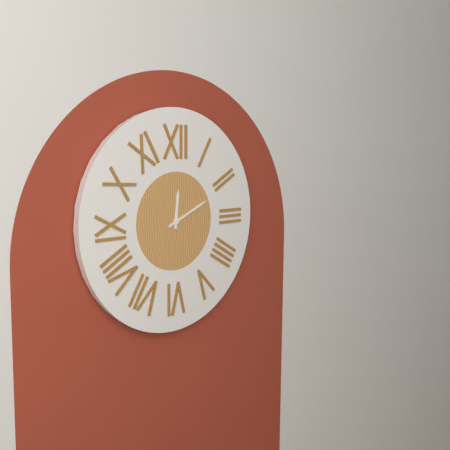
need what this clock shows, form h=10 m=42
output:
h=12 m=11
